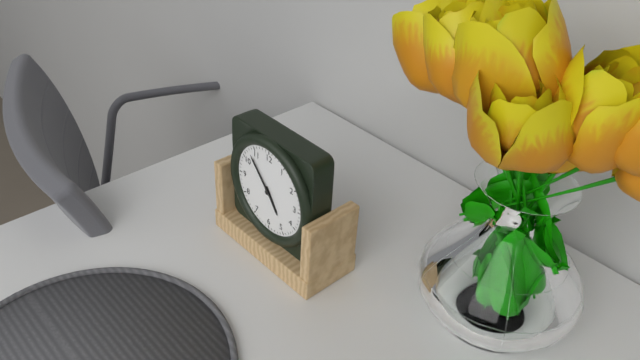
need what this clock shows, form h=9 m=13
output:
h=4 m=53
